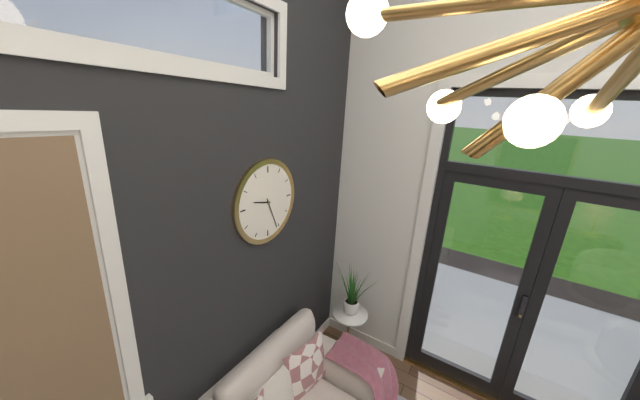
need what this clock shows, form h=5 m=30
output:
h=9 m=26
